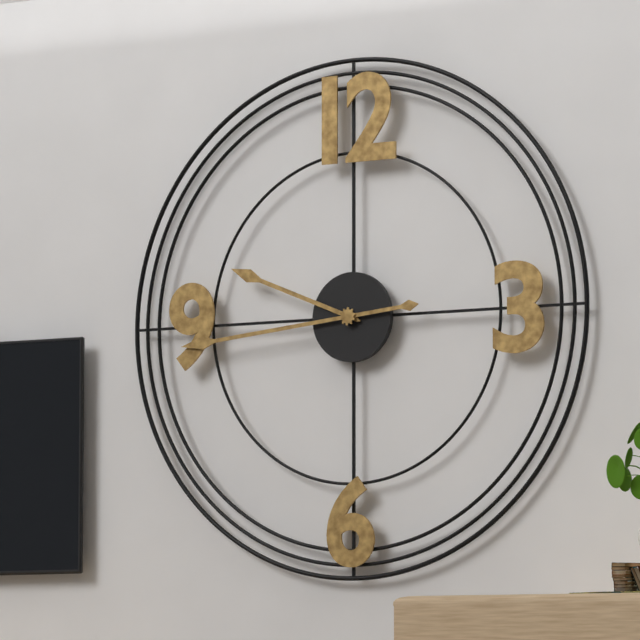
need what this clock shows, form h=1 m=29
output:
h=9 m=44
